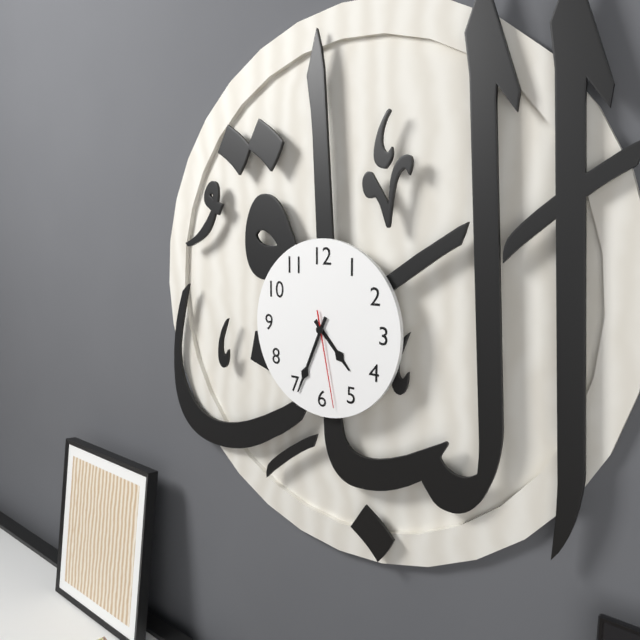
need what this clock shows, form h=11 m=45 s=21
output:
h=4 m=34 s=28
